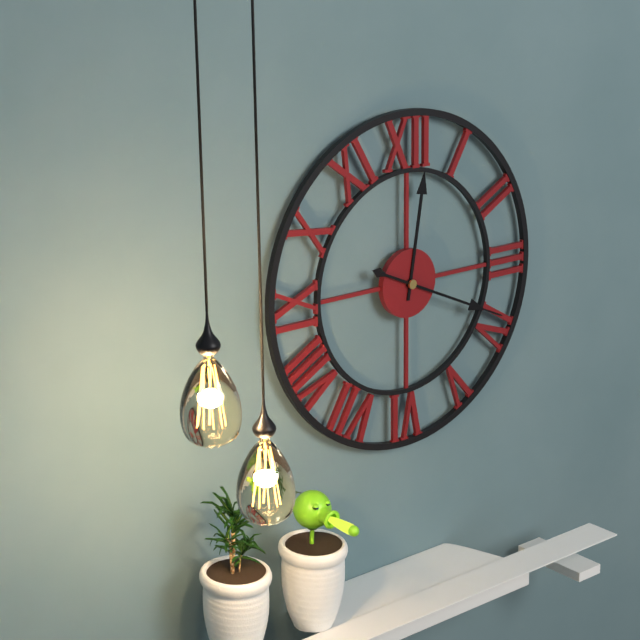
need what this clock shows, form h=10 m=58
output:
h=12 m=19
